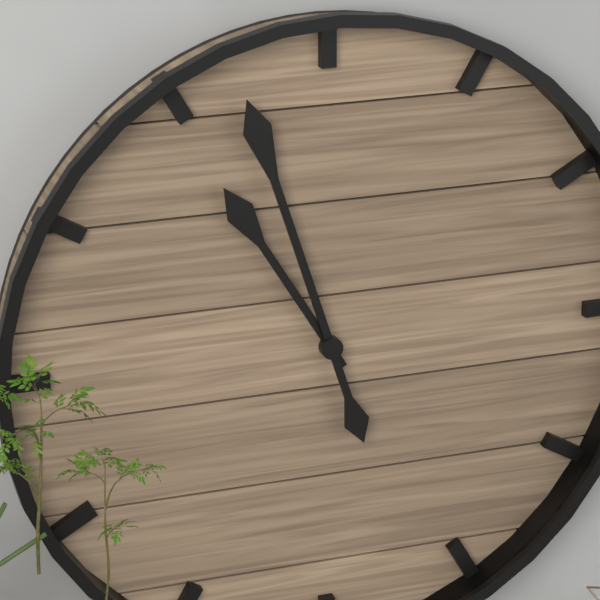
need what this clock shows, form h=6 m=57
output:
h=10 m=57
